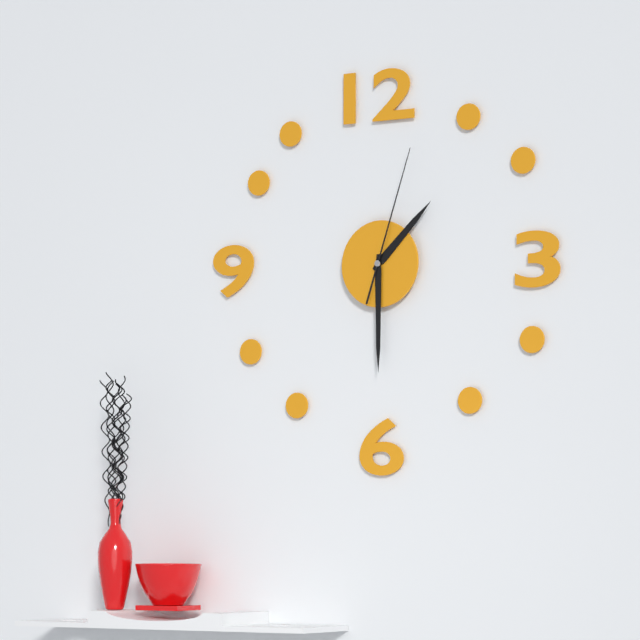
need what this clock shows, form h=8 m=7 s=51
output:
h=1 m=30 s=3
